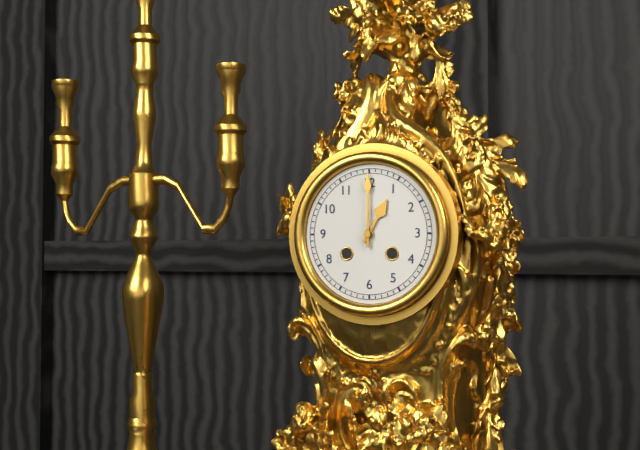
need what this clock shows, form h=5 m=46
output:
h=1 m=0
